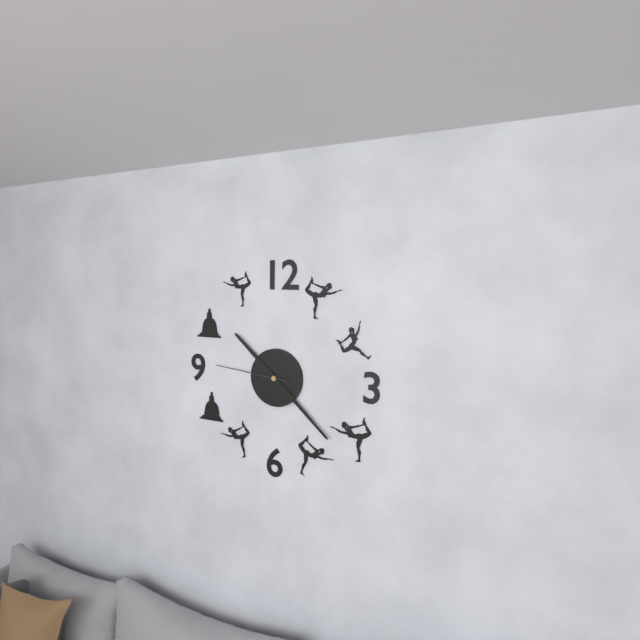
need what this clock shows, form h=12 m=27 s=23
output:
h=10 m=22 s=46
